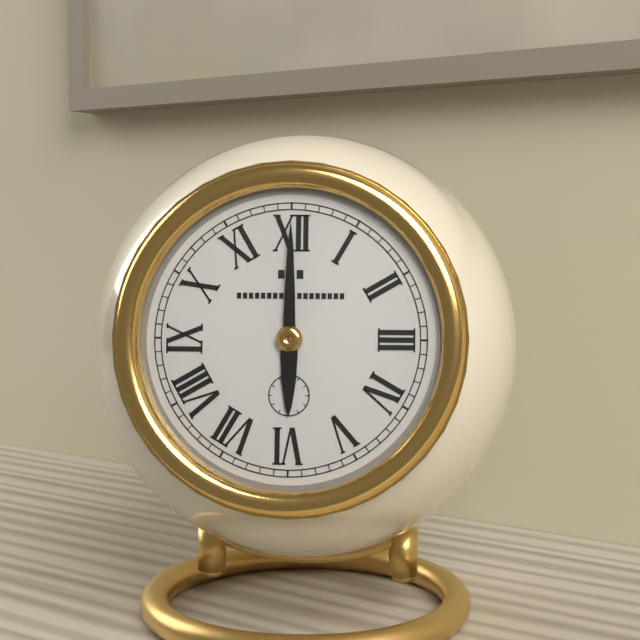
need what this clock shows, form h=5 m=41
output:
h=6 m=0
